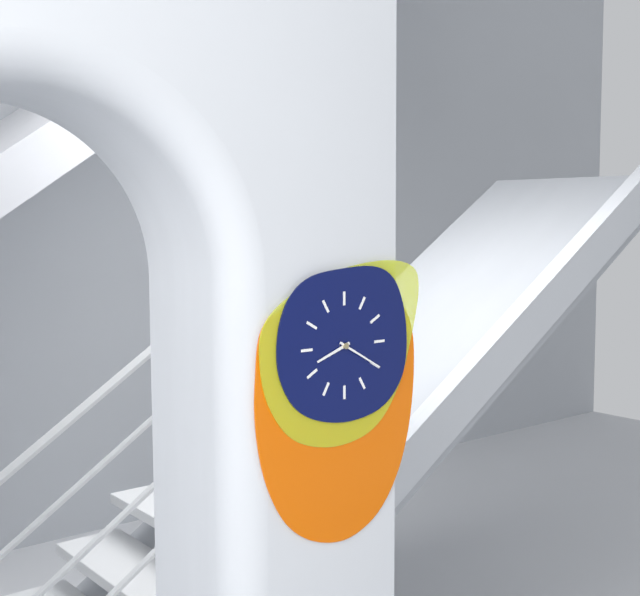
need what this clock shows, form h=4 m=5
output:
h=8 m=20
